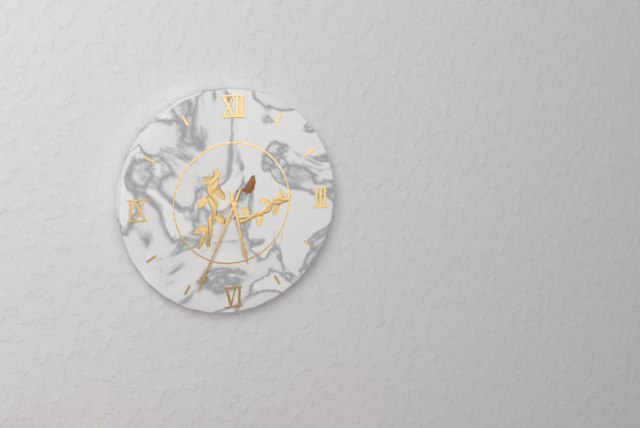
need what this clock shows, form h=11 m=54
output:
h=5 m=34
